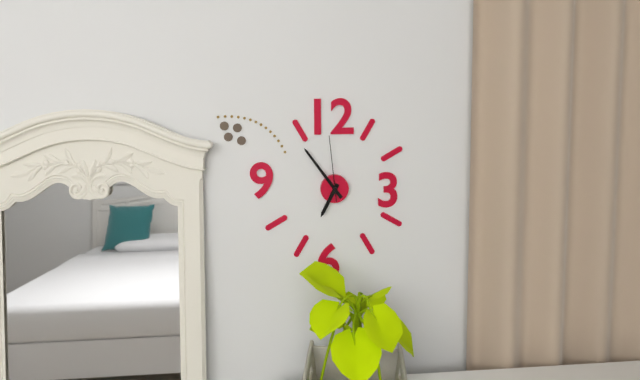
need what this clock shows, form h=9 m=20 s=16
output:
h=6 m=54 s=59
